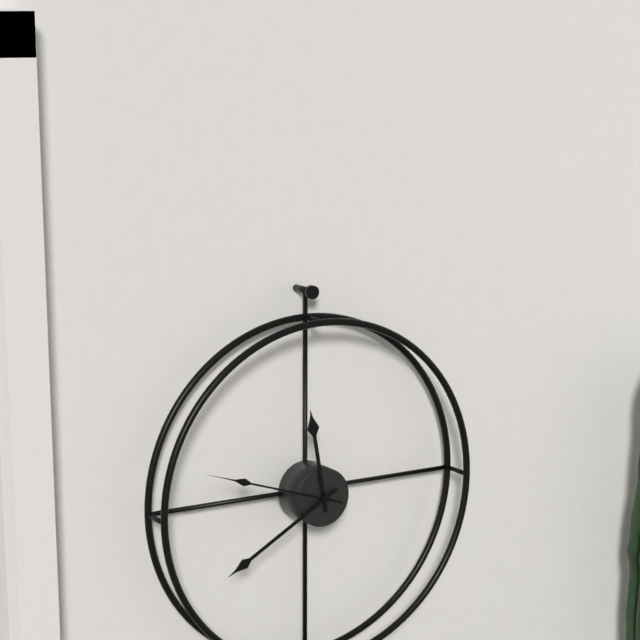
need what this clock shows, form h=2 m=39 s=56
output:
h=11 m=40 s=48
